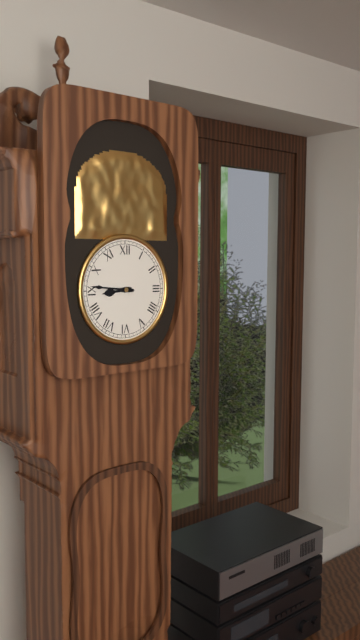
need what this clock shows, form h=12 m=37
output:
h=8 m=46
